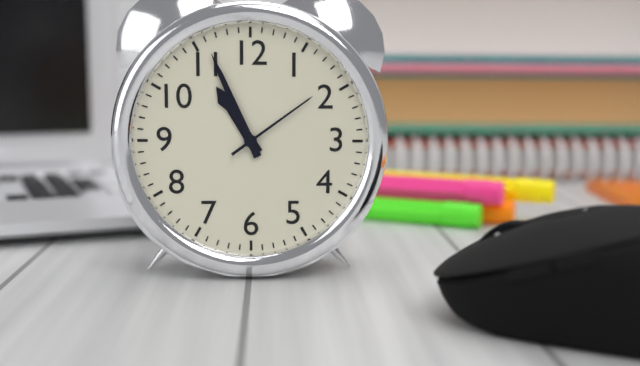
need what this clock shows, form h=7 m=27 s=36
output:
h=10 m=56 s=9
